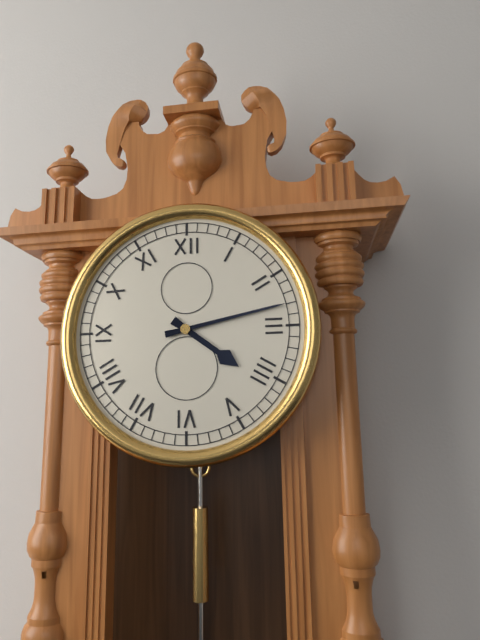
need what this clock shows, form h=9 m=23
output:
h=4 m=13
